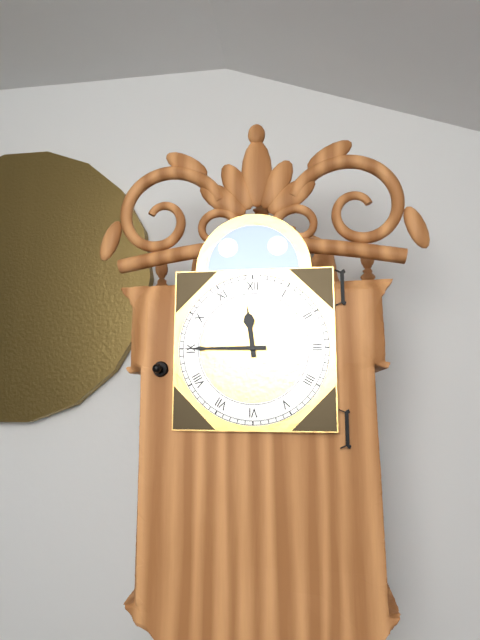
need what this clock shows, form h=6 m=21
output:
h=11 m=45
